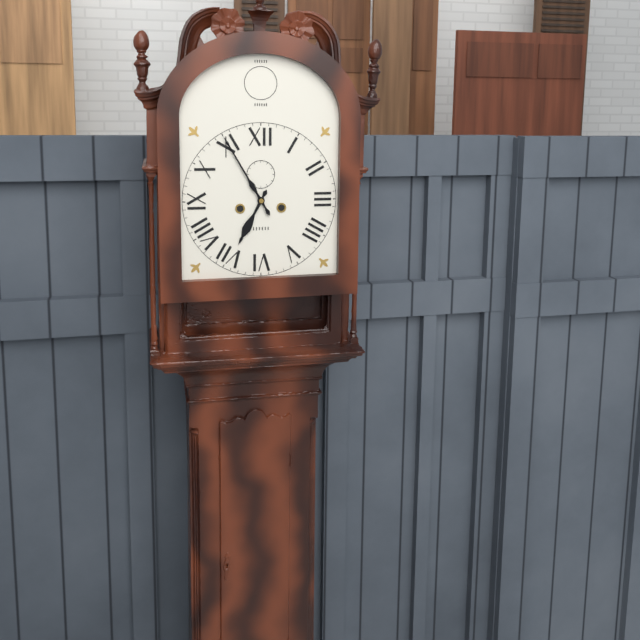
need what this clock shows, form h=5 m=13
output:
h=6 m=55
